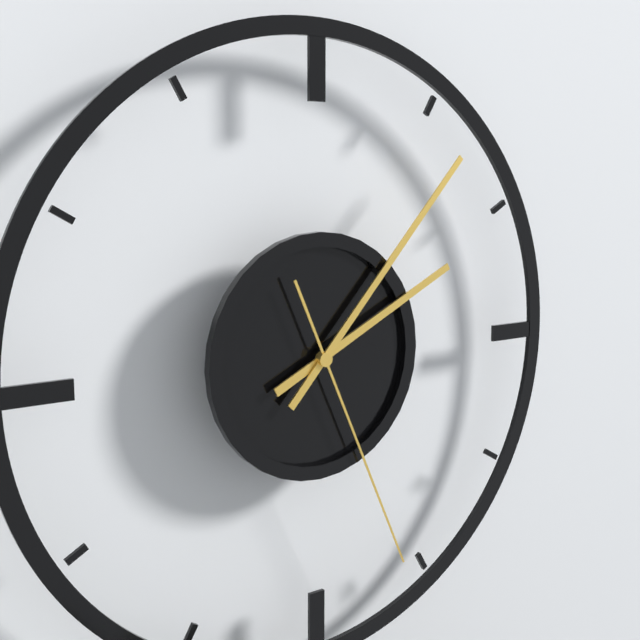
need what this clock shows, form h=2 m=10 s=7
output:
h=2 m=7 s=26
